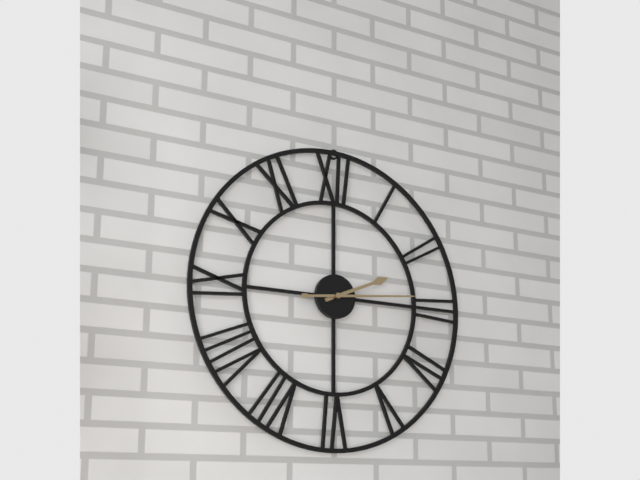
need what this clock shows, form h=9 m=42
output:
h=2 m=14
